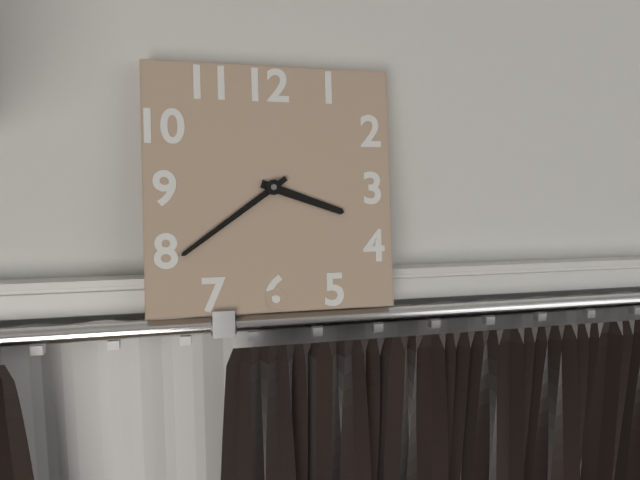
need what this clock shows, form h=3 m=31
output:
h=3 m=39
